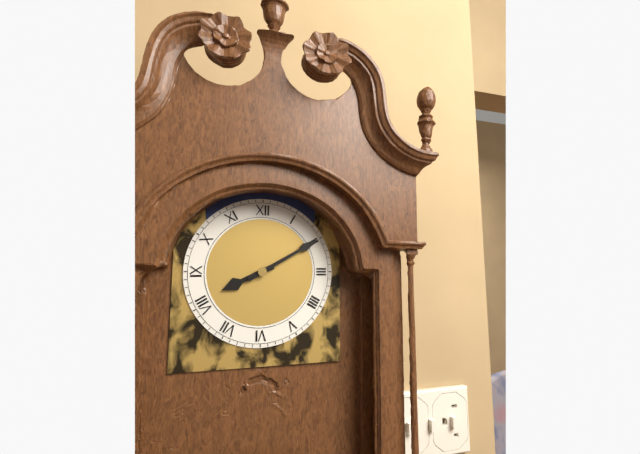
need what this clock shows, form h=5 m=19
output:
h=8 m=10
